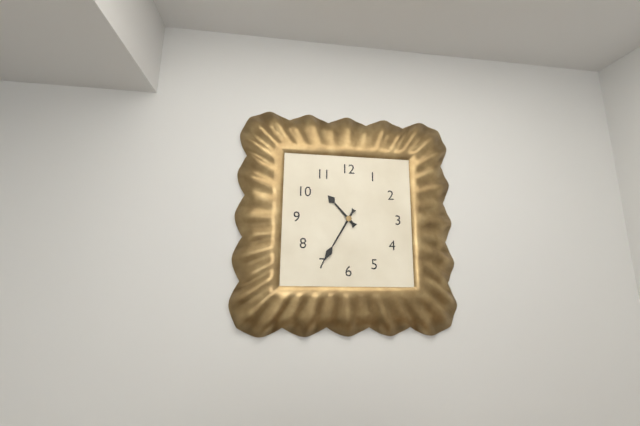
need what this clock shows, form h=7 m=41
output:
h=10 m=35
